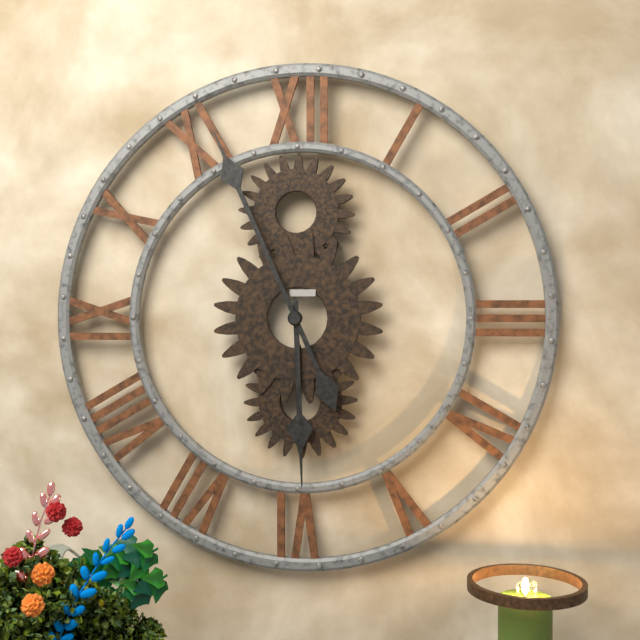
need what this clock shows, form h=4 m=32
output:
h=5 m=56
